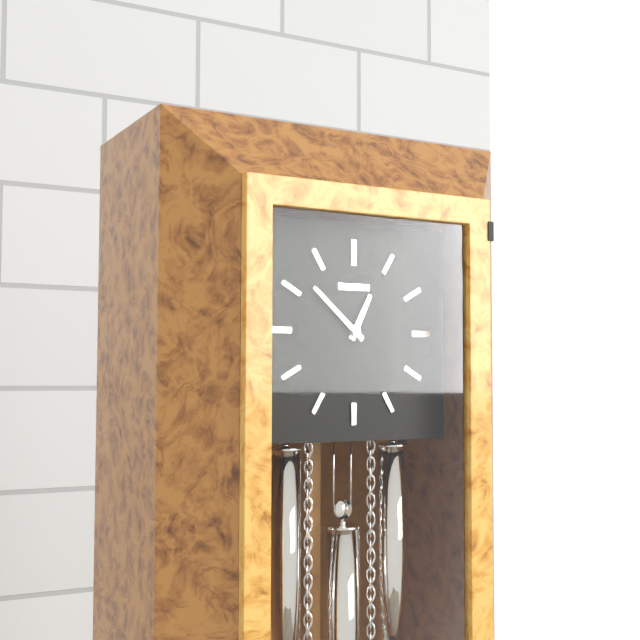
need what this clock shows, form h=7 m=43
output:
h=12 m=52
